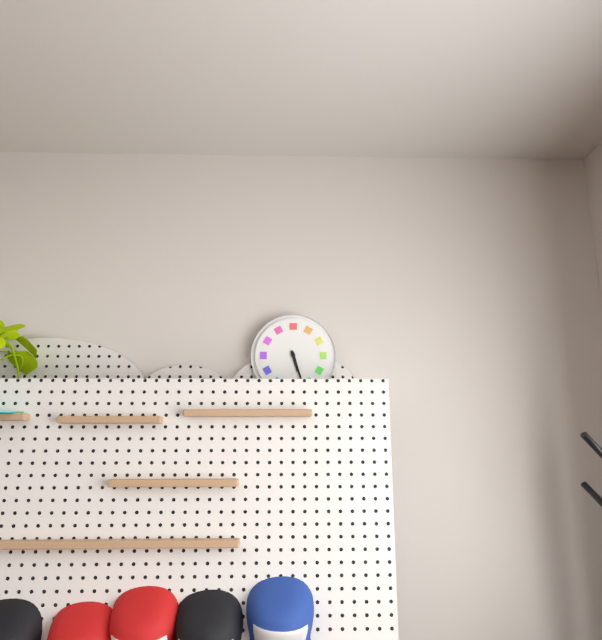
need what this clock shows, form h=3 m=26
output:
h=5 m=27
